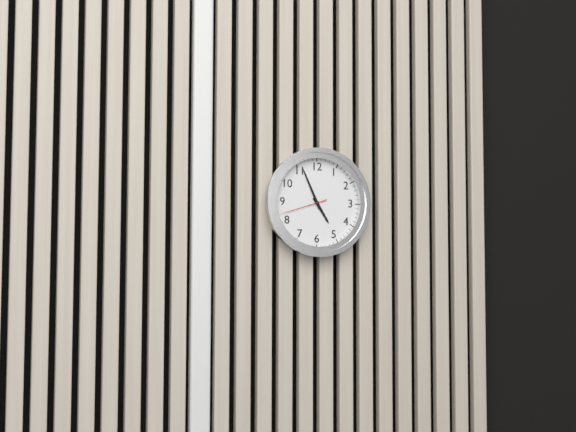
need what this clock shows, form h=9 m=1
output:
h=4 m=56
